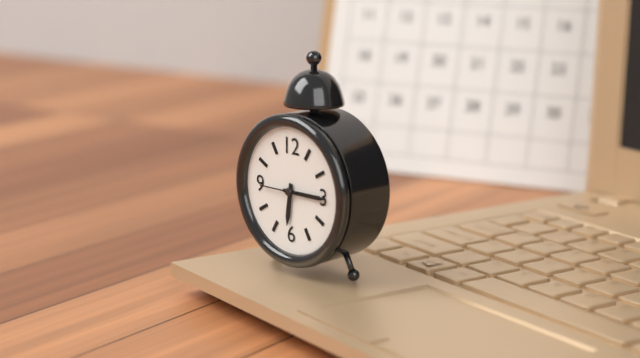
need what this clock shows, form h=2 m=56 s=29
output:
h=6 m=15 s=45
